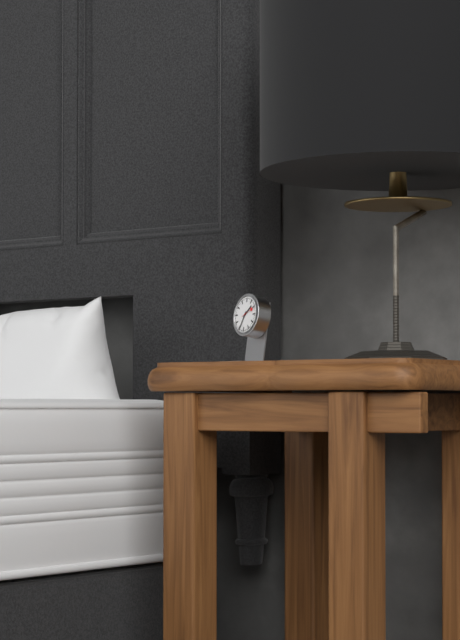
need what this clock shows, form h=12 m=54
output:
h=1 m=34
